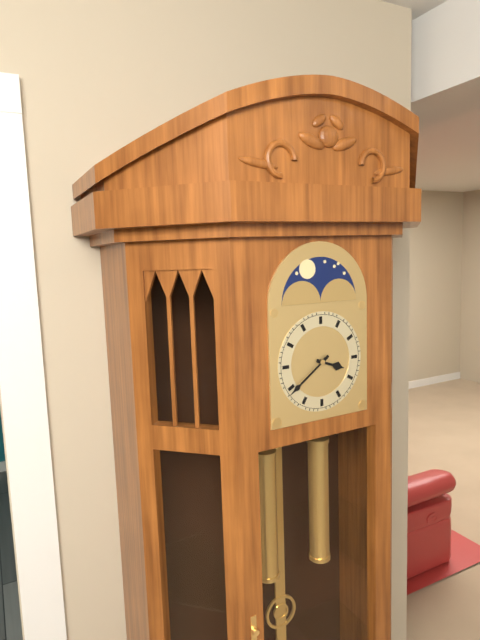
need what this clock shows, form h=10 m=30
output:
h=3 m=39
